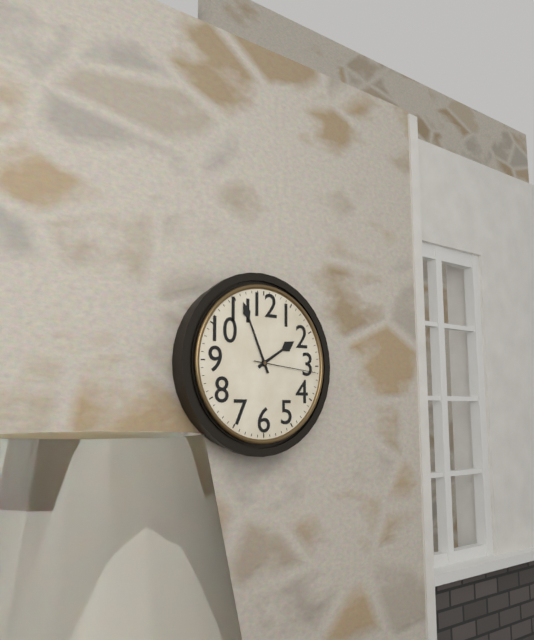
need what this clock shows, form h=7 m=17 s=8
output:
h=1 m=56 s=16
